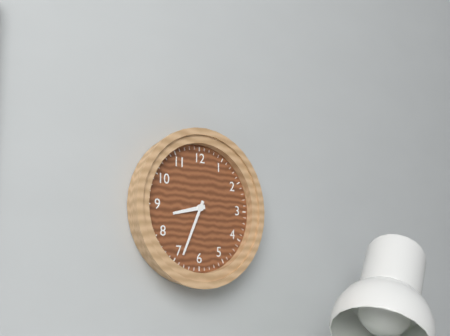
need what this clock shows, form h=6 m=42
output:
h=8 m=34
